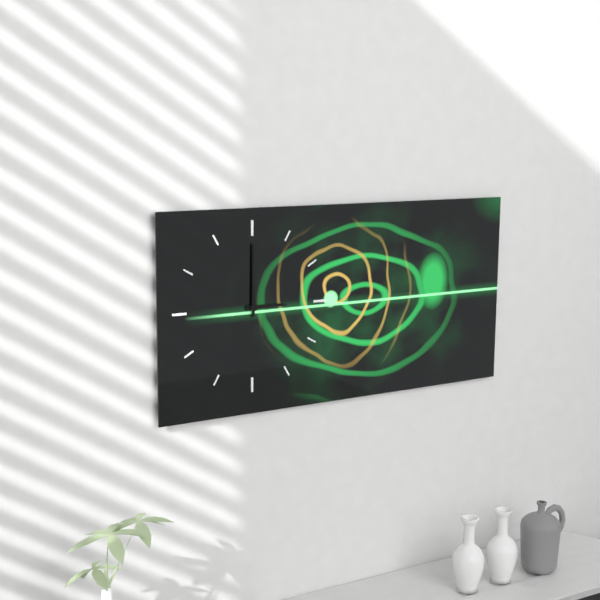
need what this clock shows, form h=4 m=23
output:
h=3 m=0
